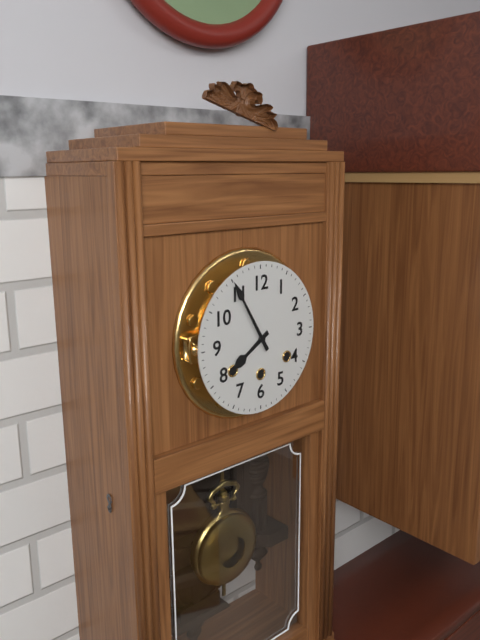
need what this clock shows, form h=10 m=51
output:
h=7 m=55
